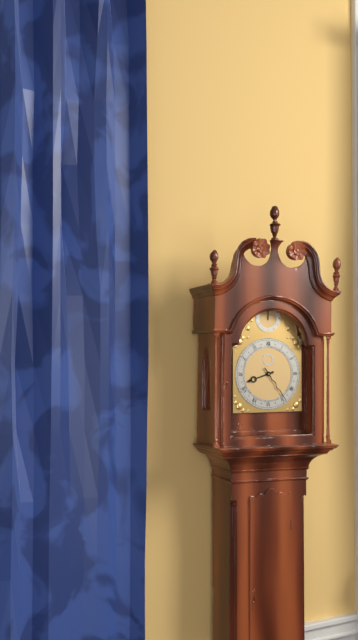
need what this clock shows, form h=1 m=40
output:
h=8 m=24
